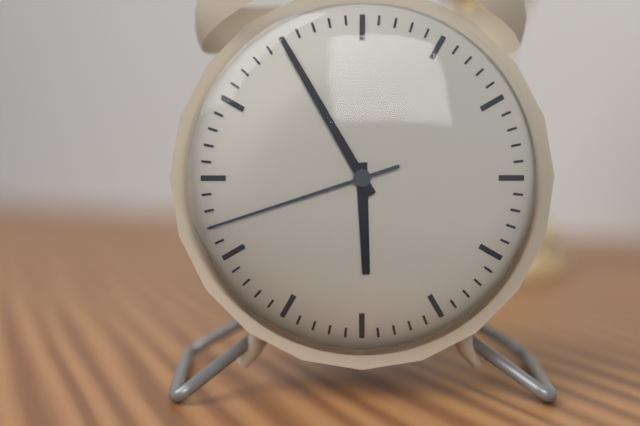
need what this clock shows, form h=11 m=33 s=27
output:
h=5 m=55 s=42
